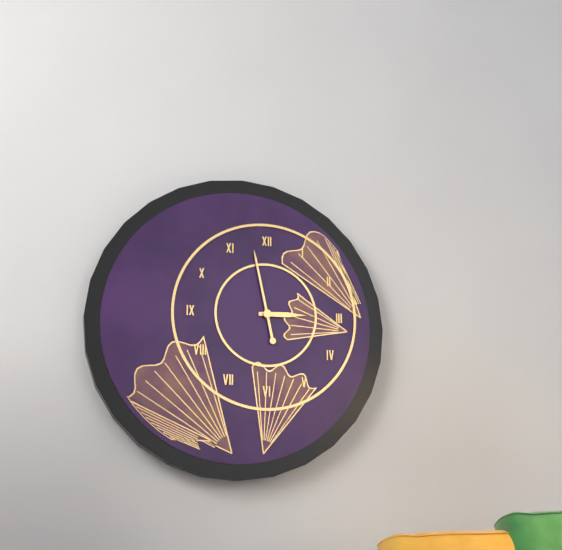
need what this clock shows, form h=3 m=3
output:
h=2 m=58
